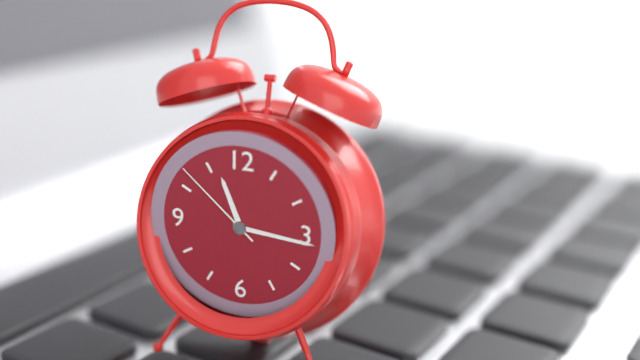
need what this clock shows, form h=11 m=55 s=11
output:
h=11 m=16 s=52
